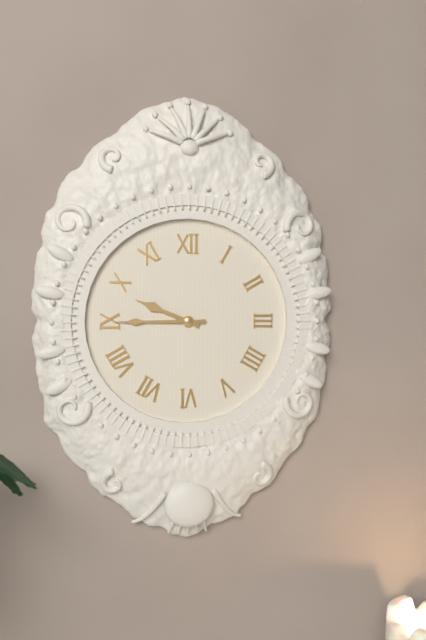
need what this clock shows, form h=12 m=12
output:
h=9 m=45
